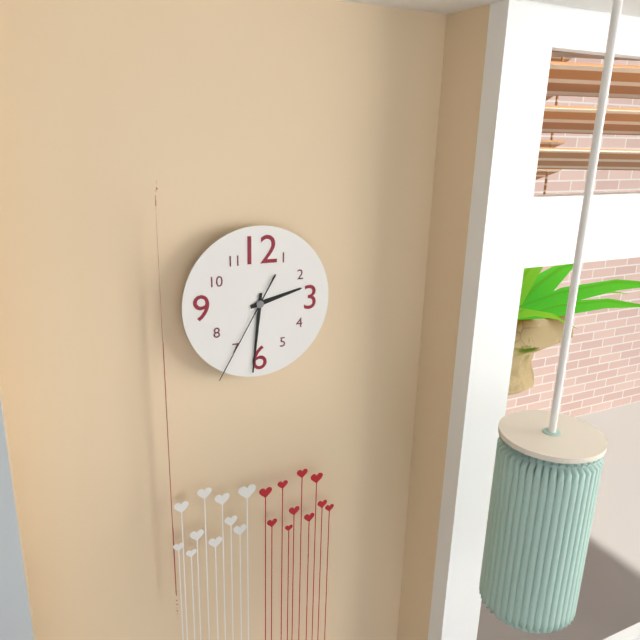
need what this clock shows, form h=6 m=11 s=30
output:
h=2 m=31 s=35
